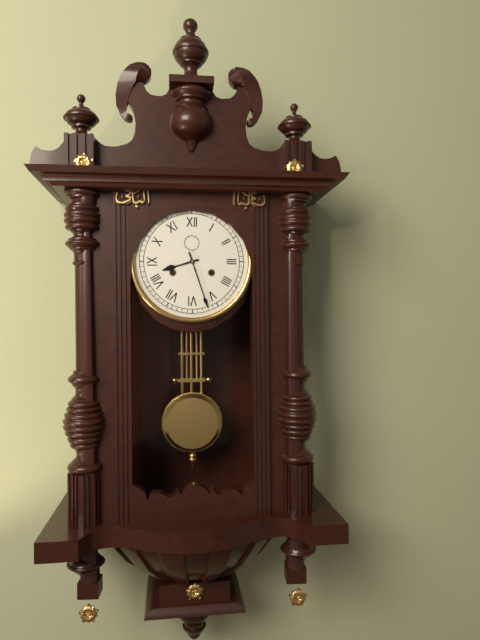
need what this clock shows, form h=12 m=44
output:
h=8 m=27
